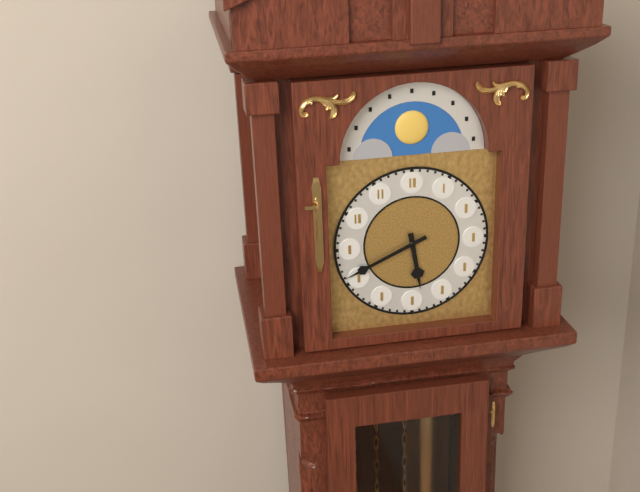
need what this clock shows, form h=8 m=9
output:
h=5 m=41
